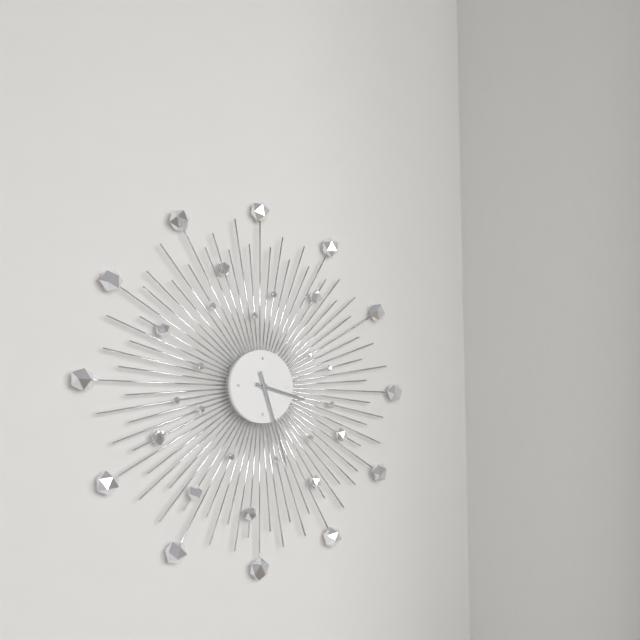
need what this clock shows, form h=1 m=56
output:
h=3 m=27
